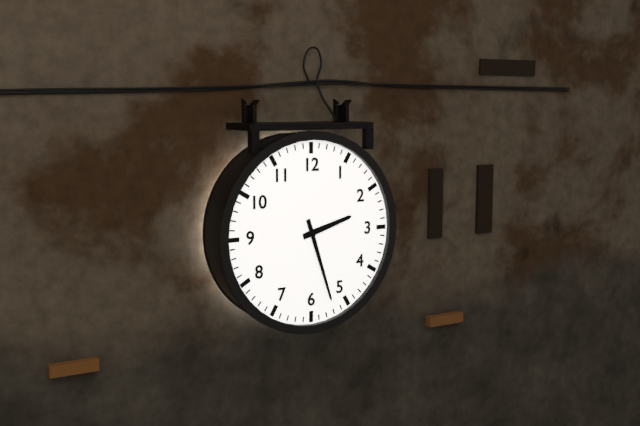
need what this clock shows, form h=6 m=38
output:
h=2 m=27
